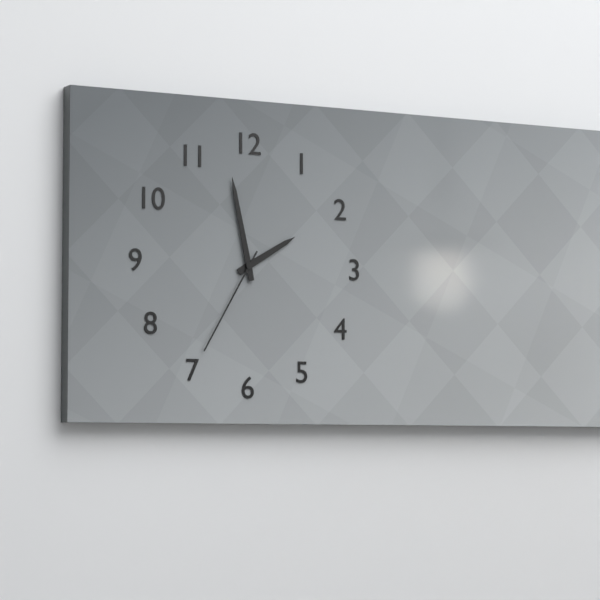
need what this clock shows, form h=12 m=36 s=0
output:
h=1 m=58 s=35
